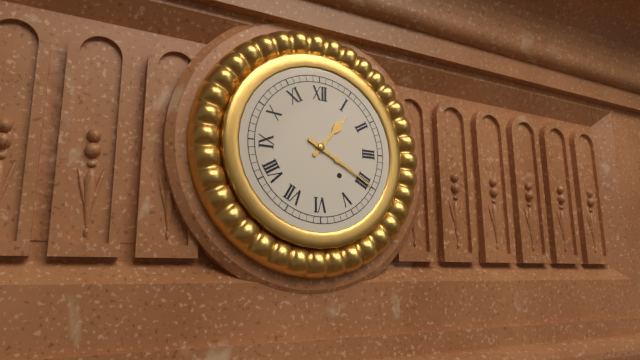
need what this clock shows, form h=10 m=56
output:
h=1 m=20
